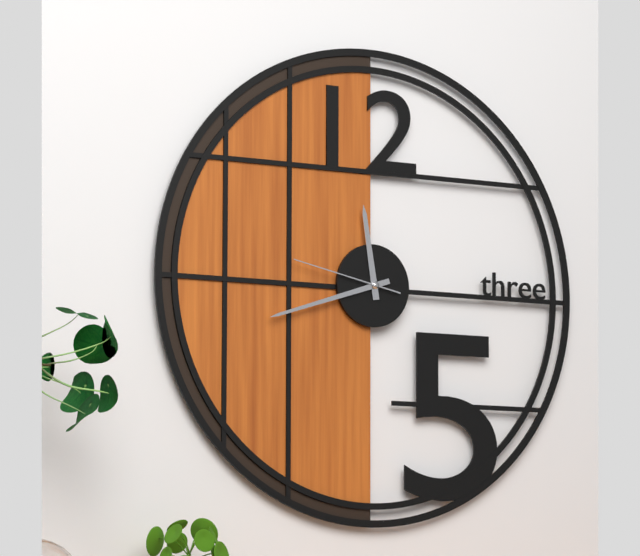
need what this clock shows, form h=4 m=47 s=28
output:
h=11 m=42 s=47
